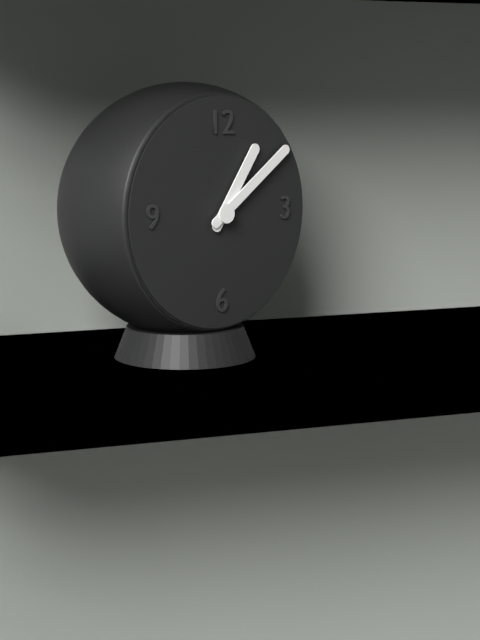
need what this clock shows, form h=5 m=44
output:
h=1 m=9
